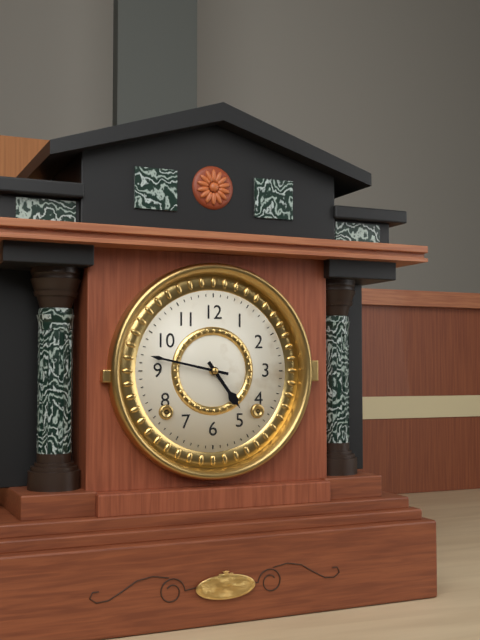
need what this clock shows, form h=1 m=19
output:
h=4 m=47
